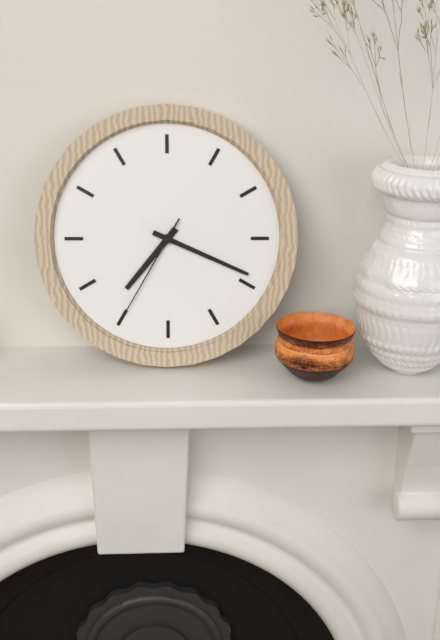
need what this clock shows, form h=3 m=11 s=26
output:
h=7 m=19 s=35
